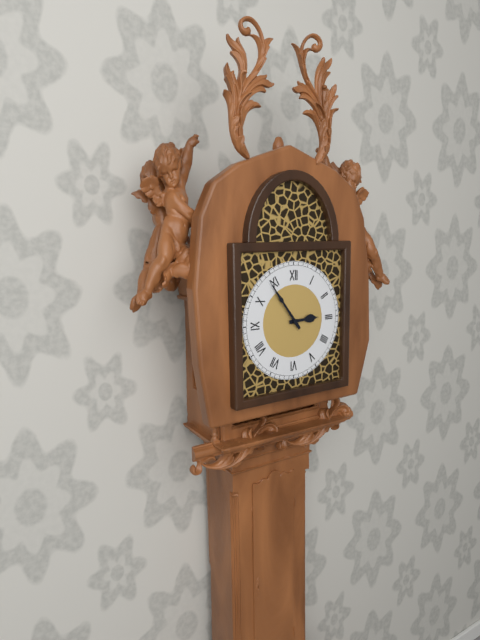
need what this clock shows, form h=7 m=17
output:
h=2 m=54
